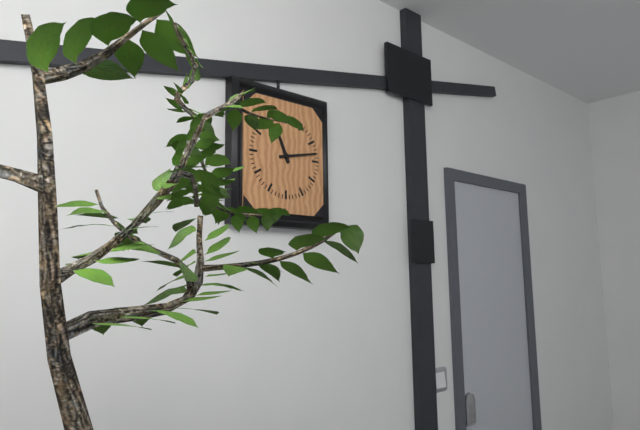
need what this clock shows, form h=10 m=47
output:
h=11 m=13
